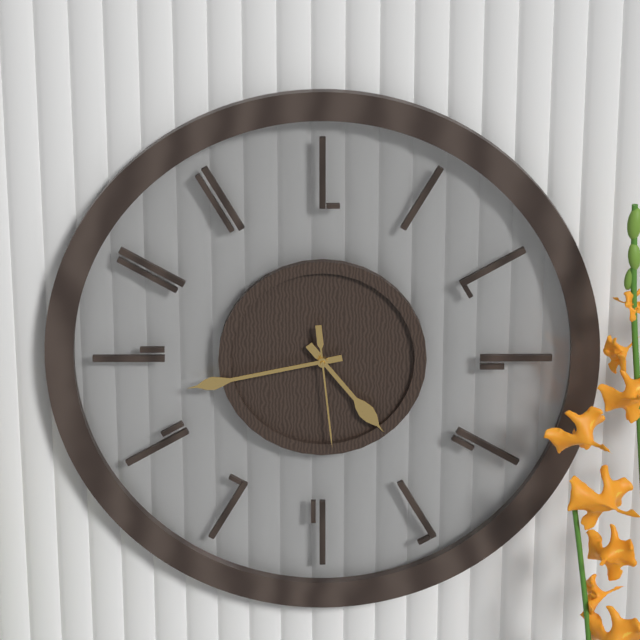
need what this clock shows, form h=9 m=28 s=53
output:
h=4 m=43 s=29
